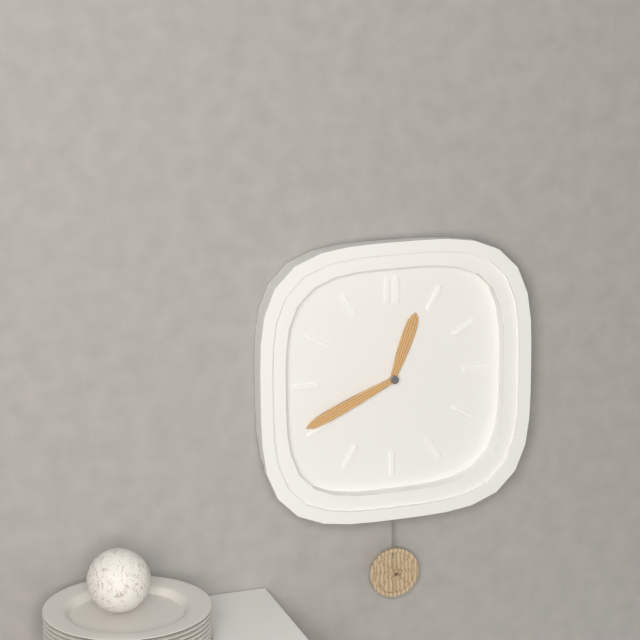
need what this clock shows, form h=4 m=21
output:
h=12 m=41
